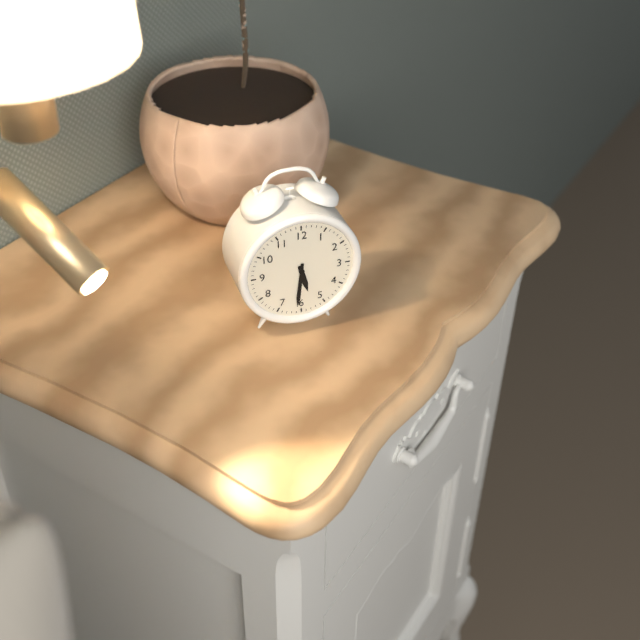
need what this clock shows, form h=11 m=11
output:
h=5 m=31
